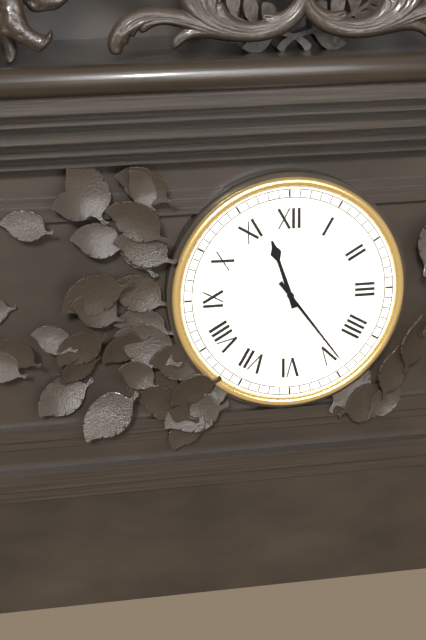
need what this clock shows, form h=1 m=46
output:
h=11 m=24
